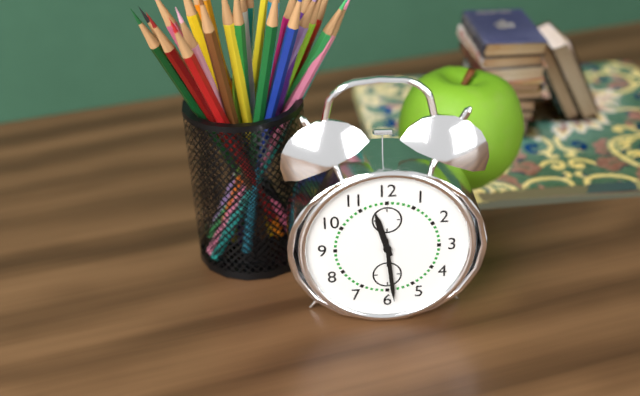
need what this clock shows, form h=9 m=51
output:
h=11 m=29
